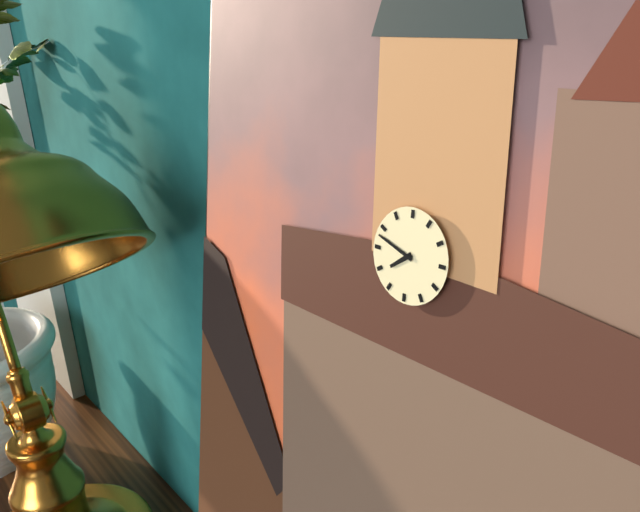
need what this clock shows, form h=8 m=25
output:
h=7 m=48
